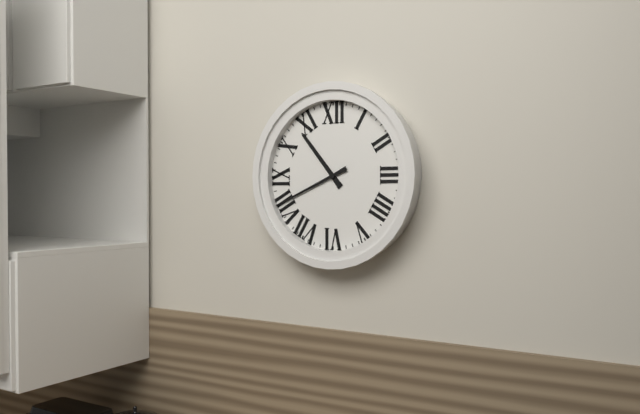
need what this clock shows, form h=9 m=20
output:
h=10 m=41
